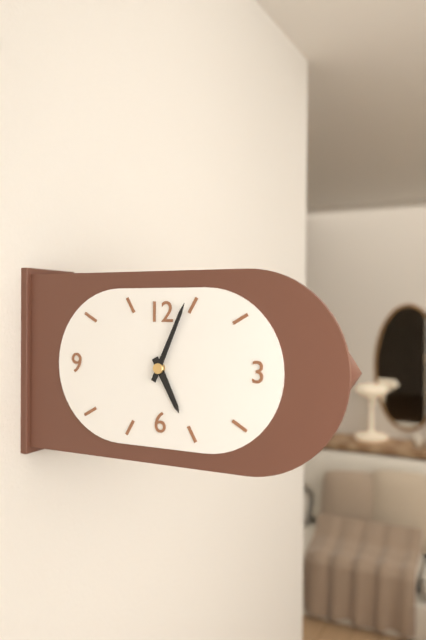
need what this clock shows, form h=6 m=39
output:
h=5 m=4
